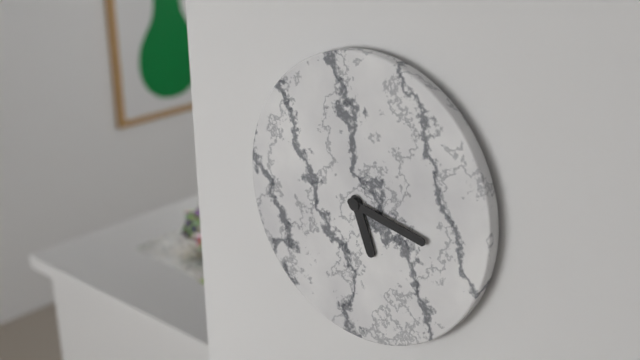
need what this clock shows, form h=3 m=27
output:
h=5 m=17
